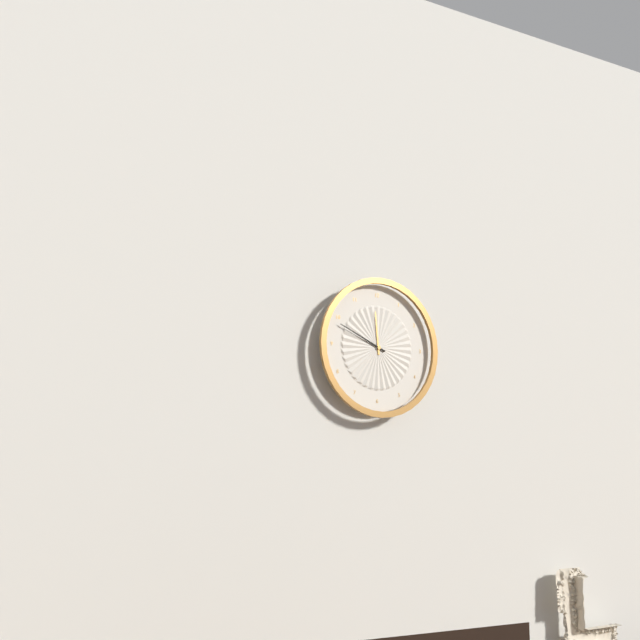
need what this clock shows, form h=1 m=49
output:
h=11 m=49
